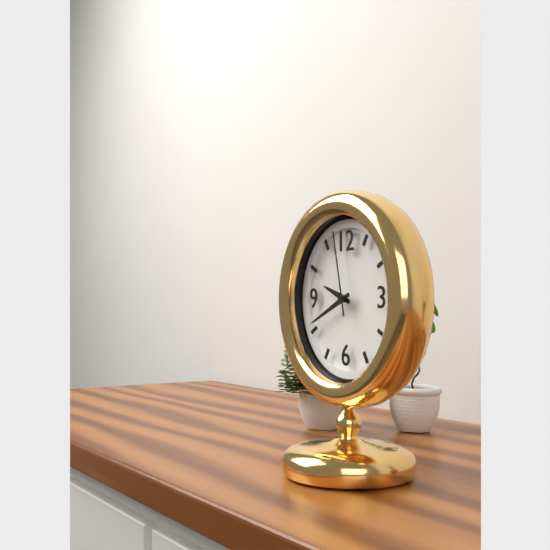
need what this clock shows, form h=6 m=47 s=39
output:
h=9 m=41 s=58
